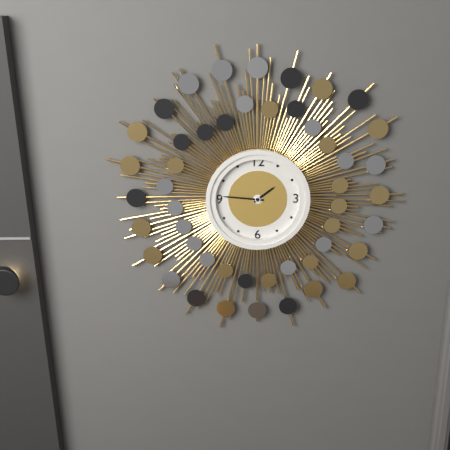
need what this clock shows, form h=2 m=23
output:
h=1 m=46
